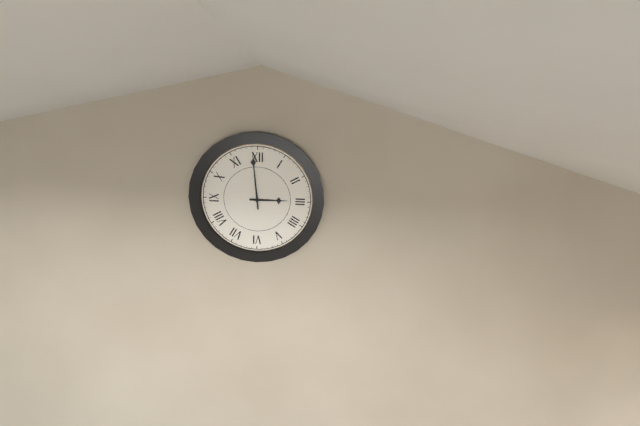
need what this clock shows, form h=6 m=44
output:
h=2 m=59
